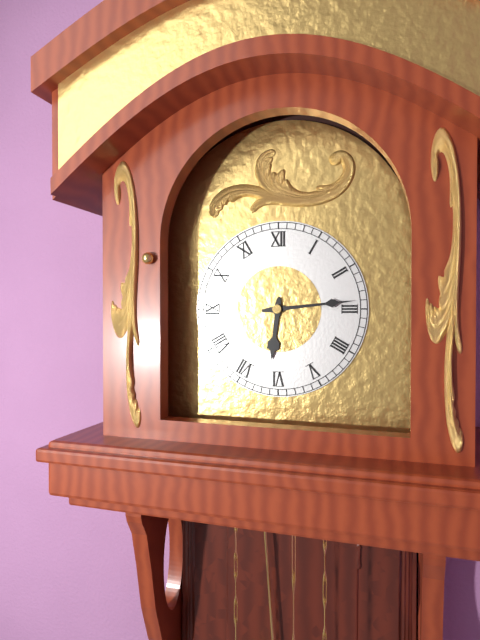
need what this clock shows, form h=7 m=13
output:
h=6 m=14
